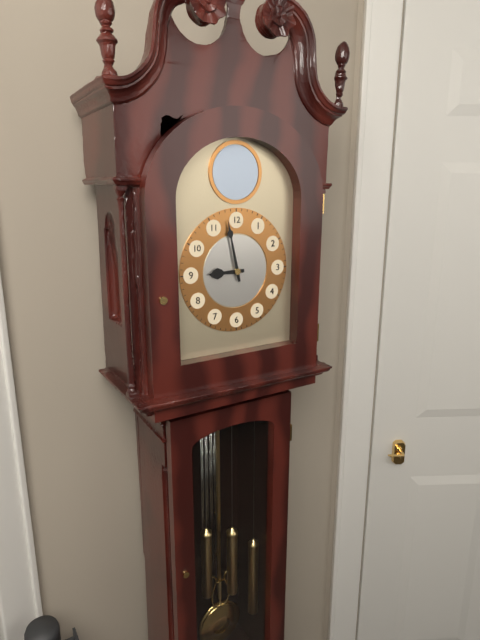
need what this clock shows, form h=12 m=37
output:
h=8 m=58
